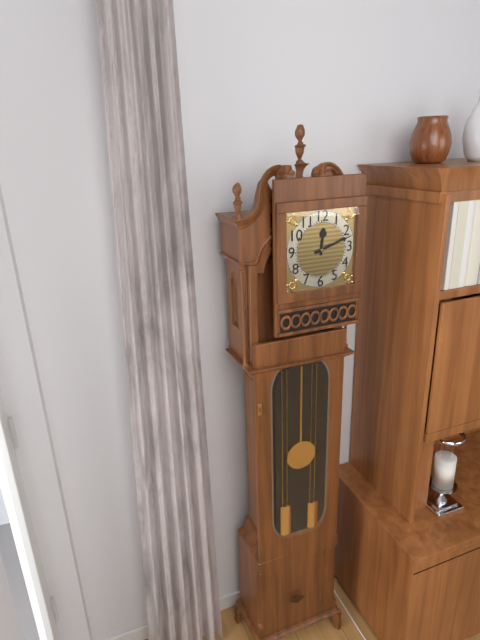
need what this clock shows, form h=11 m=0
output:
h=12 m=12
